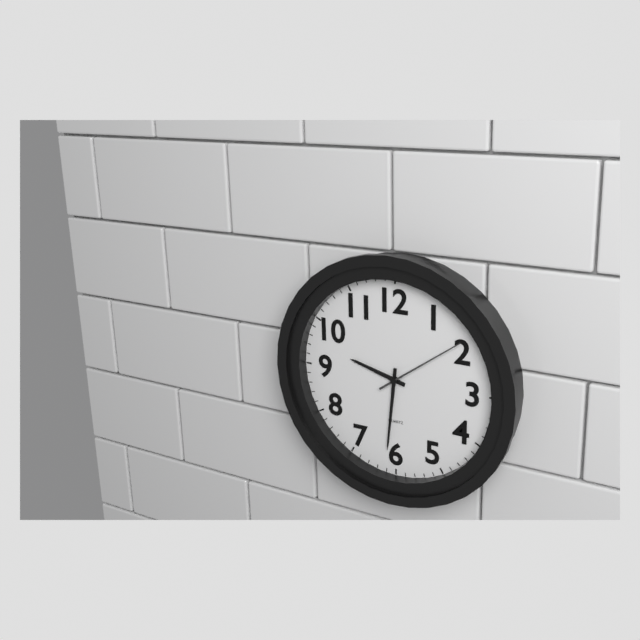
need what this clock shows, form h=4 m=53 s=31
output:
h=9 m=31 s=9
